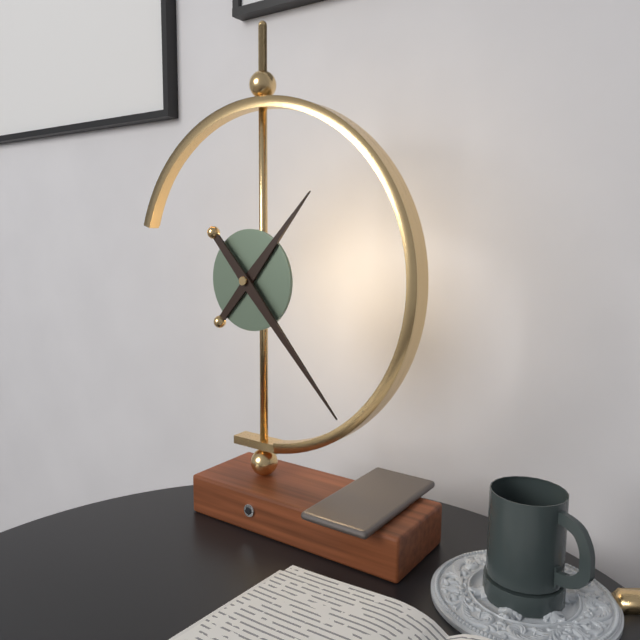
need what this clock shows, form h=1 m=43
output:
h=1 m=23
